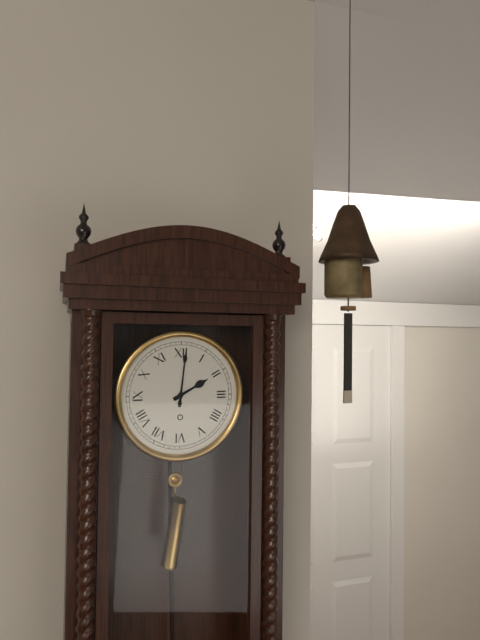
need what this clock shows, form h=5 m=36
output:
h=2 m=1
